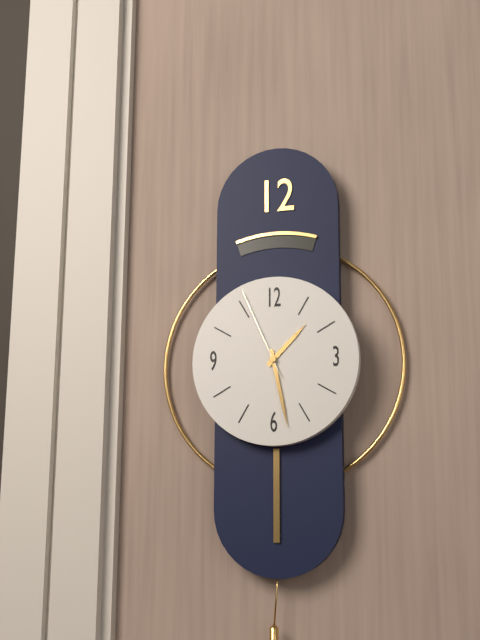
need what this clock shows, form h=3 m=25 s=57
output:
h=1 m=28 s=56
